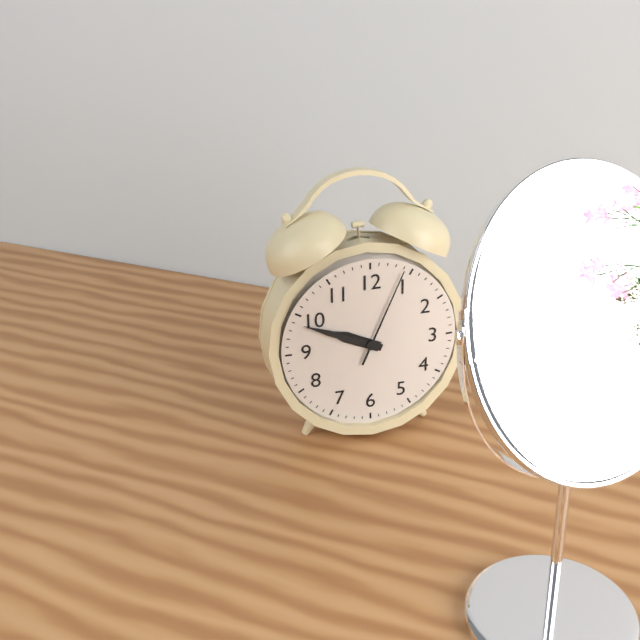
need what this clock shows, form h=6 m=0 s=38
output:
h=9 m=49 s=4
